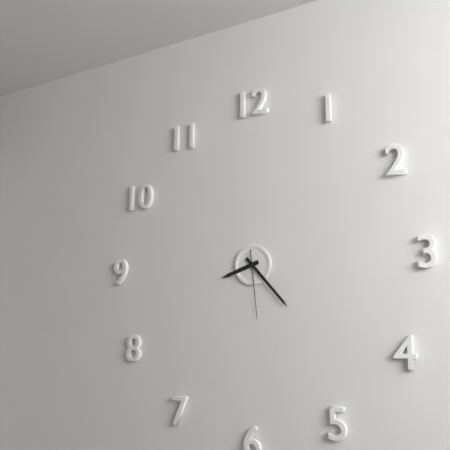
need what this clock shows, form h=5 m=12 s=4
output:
h=8 m=23 s=29
